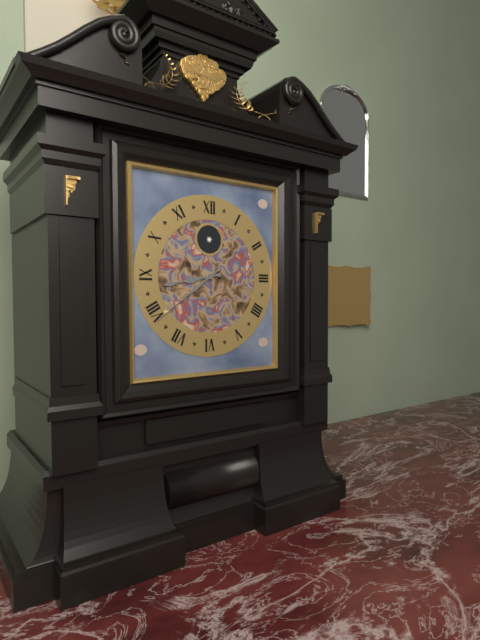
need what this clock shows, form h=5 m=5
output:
h=8 m=39
